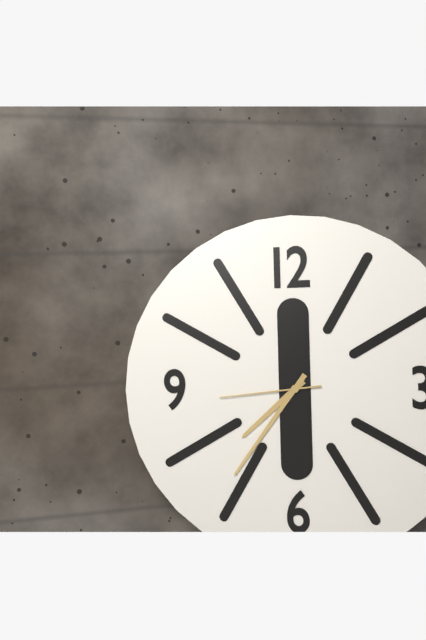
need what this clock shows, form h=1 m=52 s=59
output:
h=7 m=36 s=44
